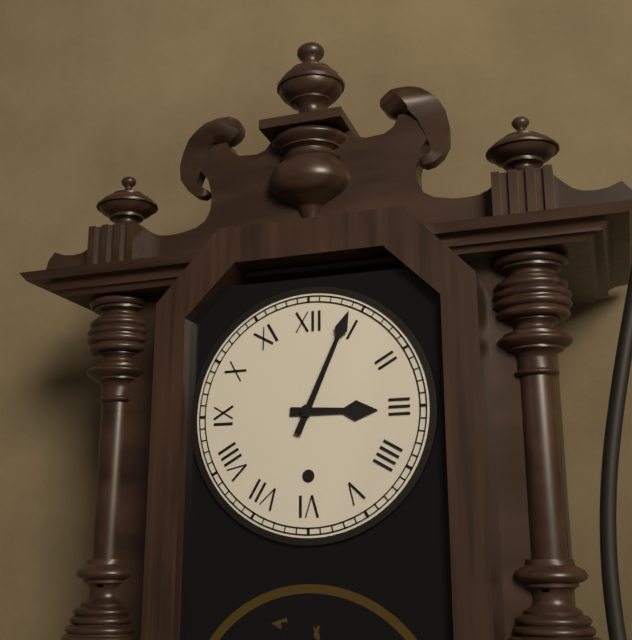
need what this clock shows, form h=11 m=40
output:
h=3 m=4
